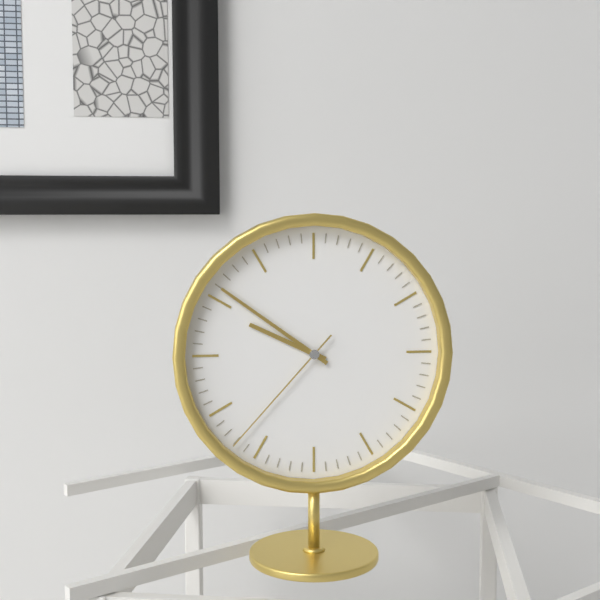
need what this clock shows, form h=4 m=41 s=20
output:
h=9 m=51 s=37
